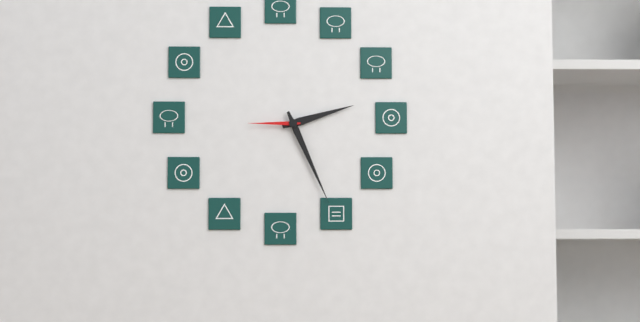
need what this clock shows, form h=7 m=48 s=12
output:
h=2 m=26 s=45
